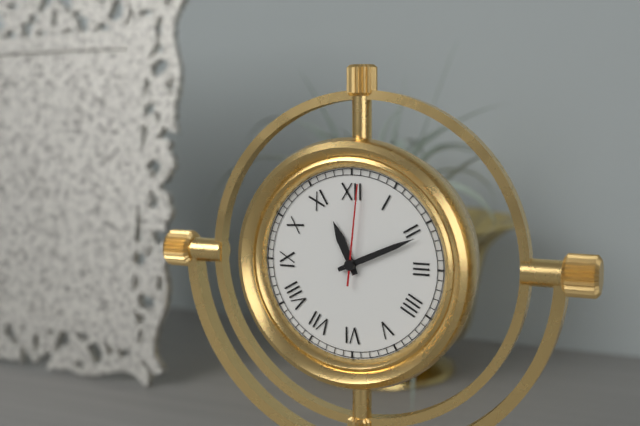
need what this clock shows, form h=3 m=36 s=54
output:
h=11 m=11 s=1
